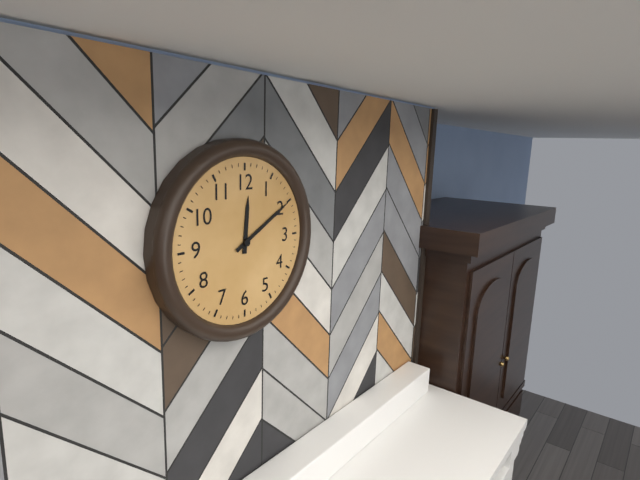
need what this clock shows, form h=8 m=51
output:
h=12 m=10
